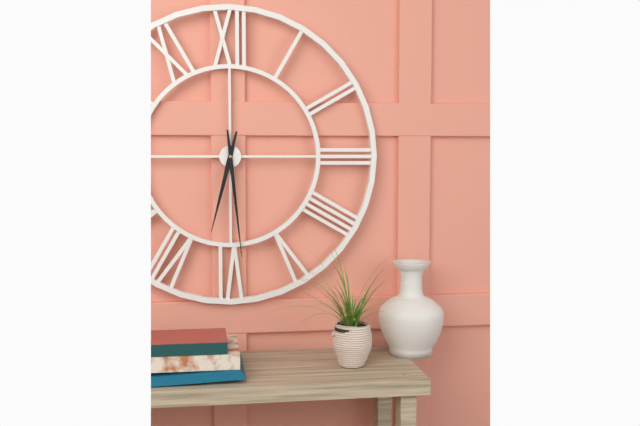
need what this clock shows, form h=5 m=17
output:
h=6 m=29
